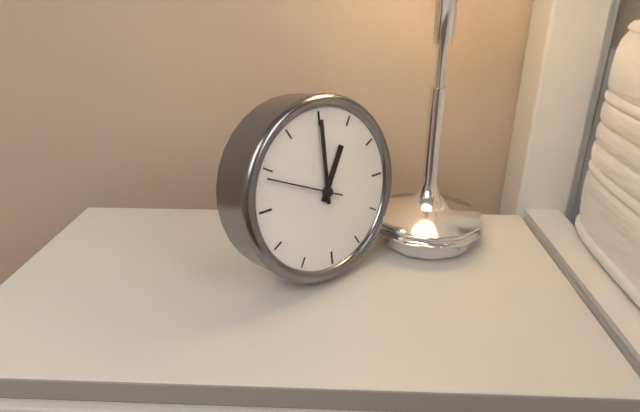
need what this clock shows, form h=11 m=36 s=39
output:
h=1 m=0 s=49
